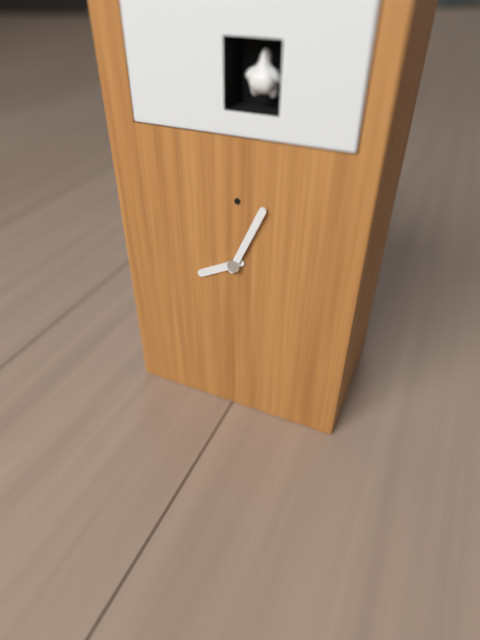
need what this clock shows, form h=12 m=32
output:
h=8 m=4
